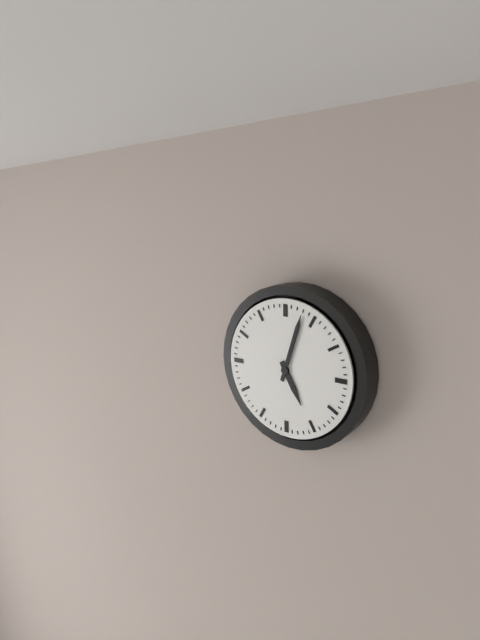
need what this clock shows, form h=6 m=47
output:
h=5 m=3
